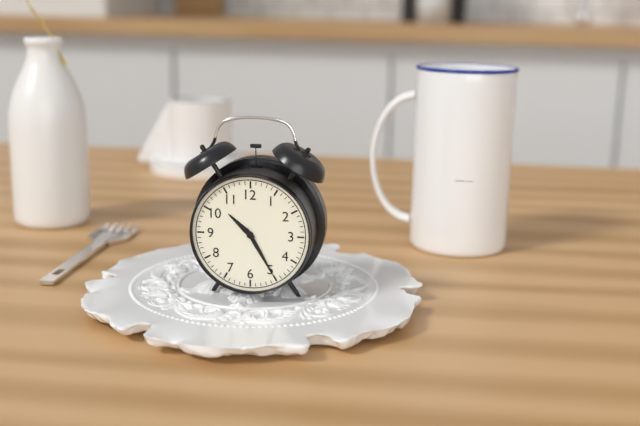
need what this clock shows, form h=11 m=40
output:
h=10 m=25
